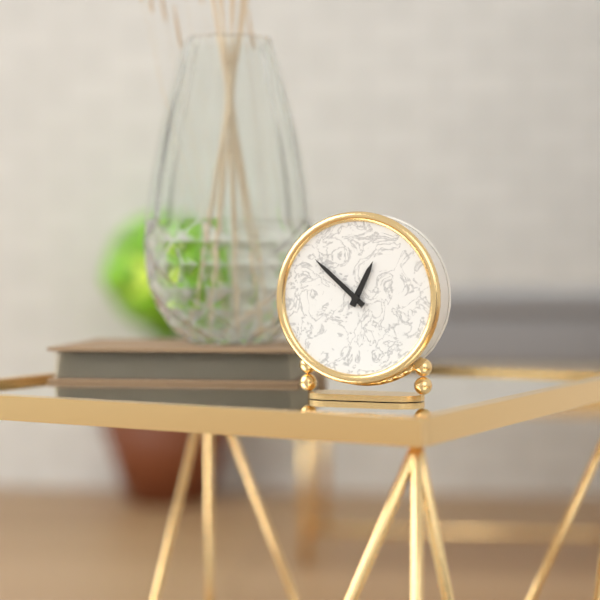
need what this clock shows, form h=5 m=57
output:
h=12 m=52
